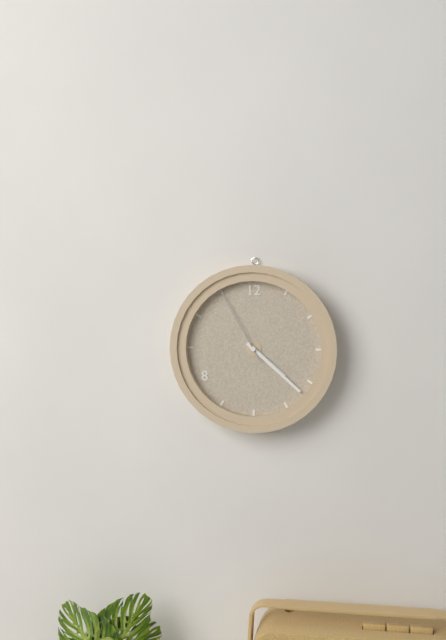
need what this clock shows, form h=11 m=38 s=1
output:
h=4 m=22 s=55
